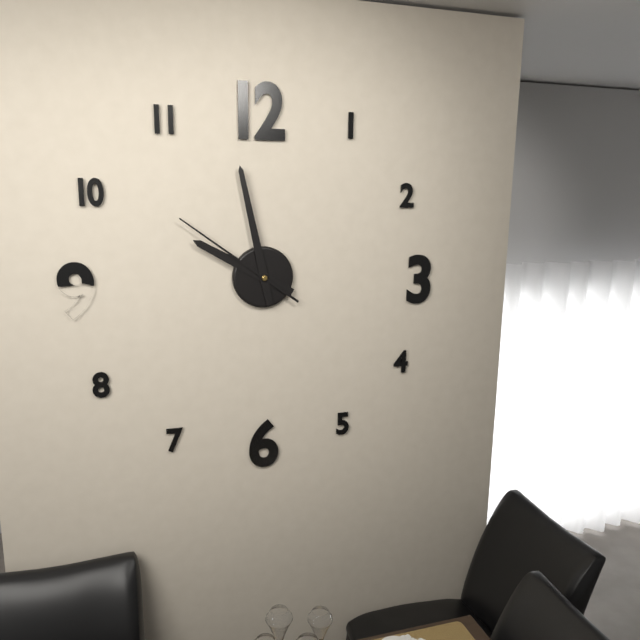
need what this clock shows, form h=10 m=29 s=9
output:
h=9 m=58 s=51
